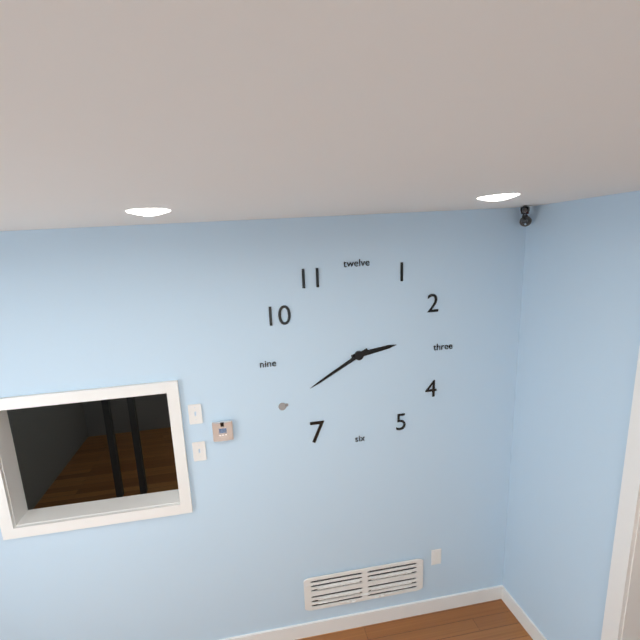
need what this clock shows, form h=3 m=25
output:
h=2 m=40
